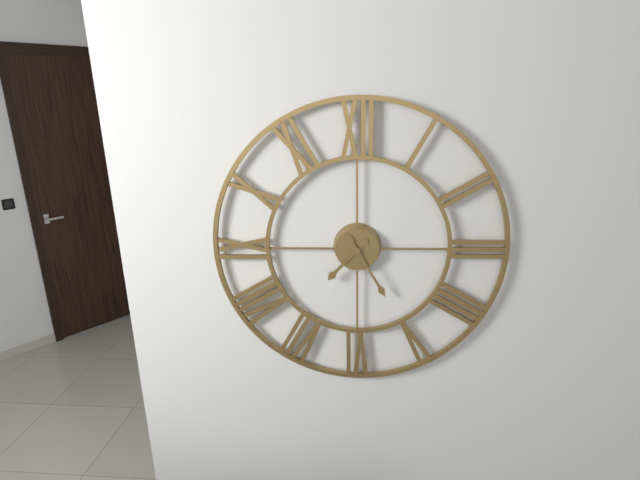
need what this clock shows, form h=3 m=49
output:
h=7 m=25
